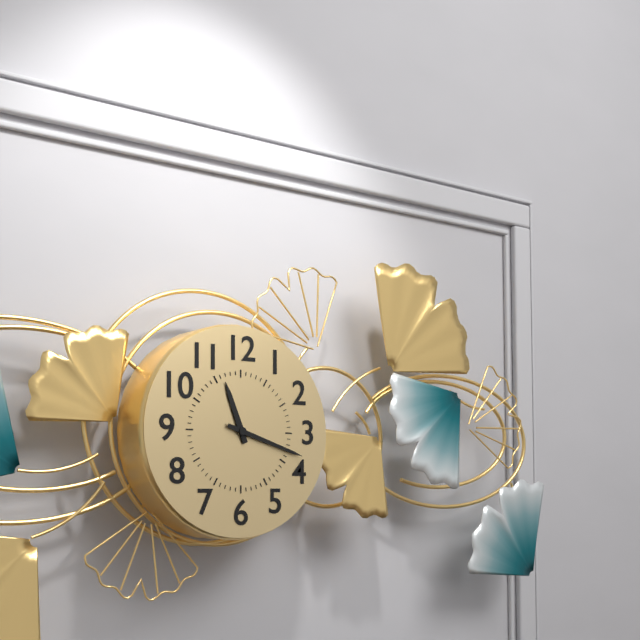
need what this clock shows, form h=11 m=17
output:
h=11 m=18
